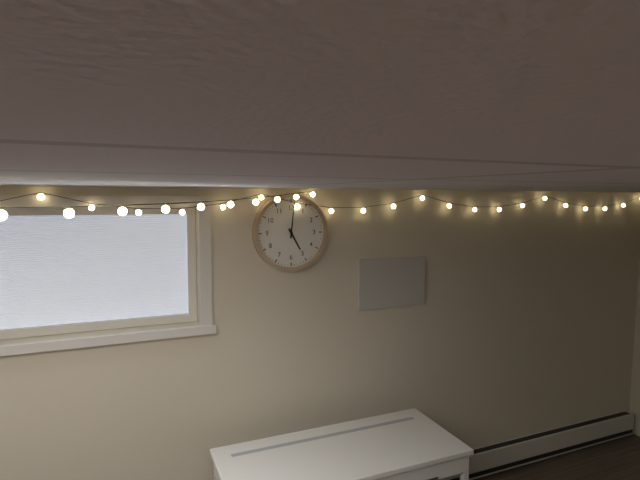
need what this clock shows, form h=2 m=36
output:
h=5 m=1
